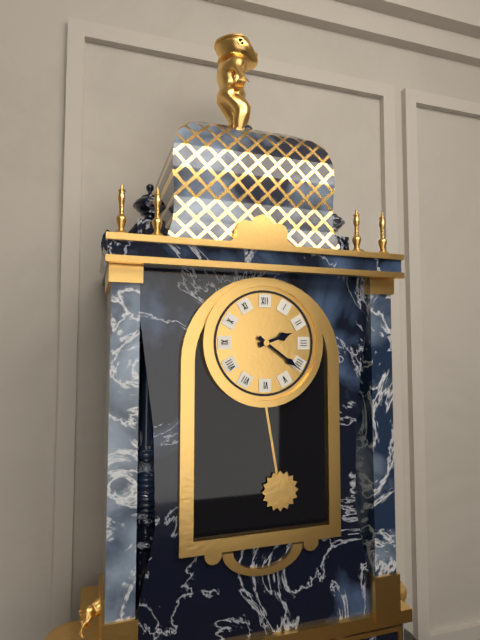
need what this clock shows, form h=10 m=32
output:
h=2 m=21
